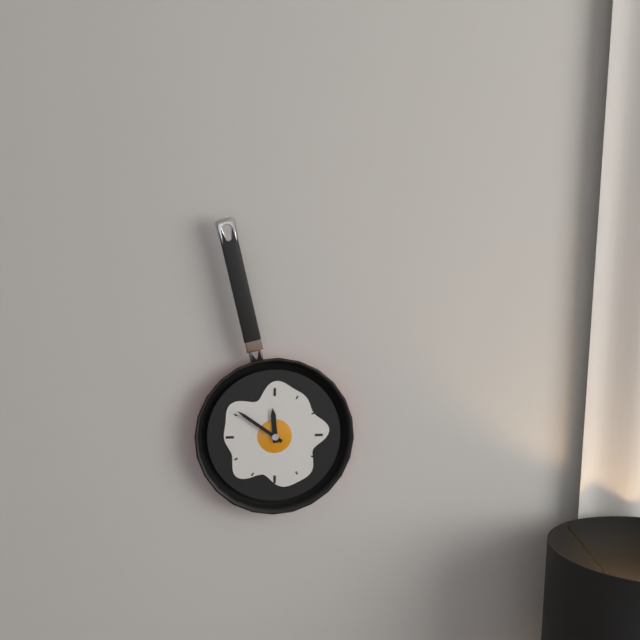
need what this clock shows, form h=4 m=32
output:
h=11 m=51
